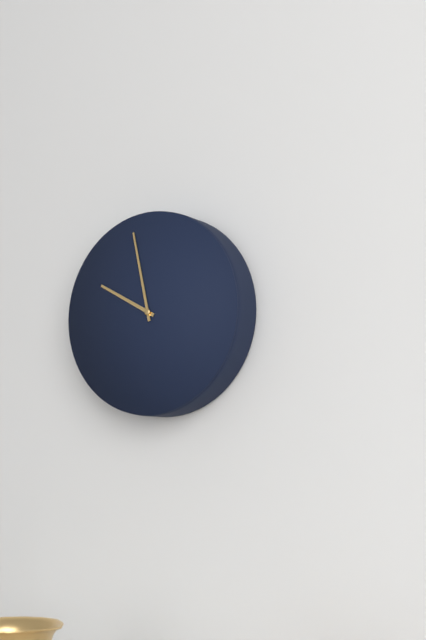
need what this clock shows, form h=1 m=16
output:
h=9 m=58
